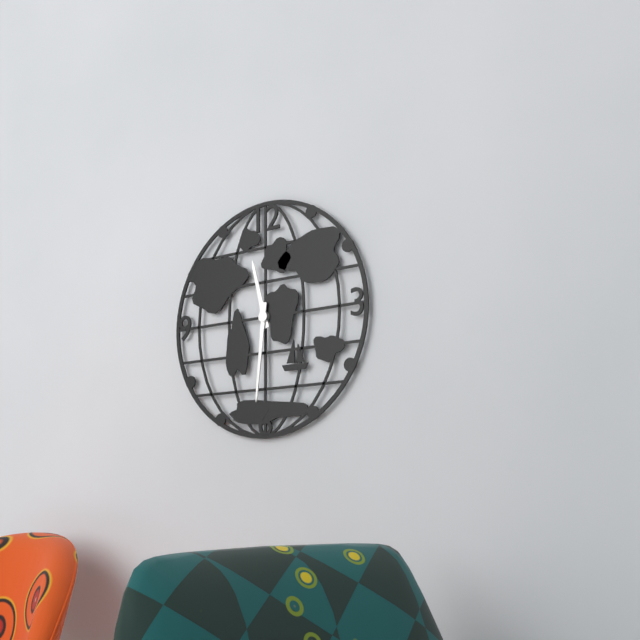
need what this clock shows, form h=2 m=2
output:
h=11 m=31
